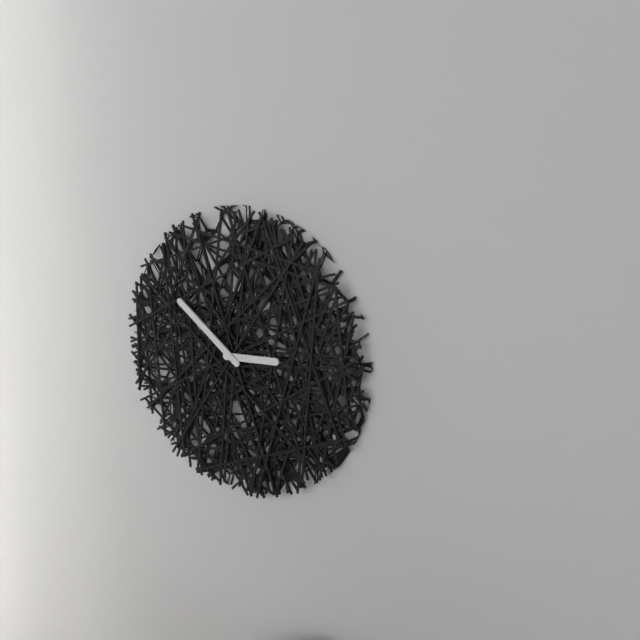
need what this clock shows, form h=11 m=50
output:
h=2 m=51
